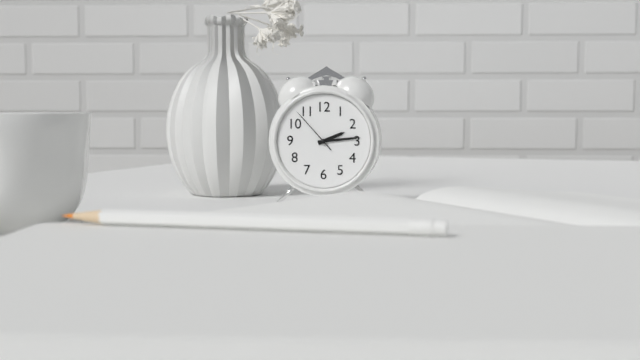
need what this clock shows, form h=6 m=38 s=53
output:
h=2 m=14 s=53
